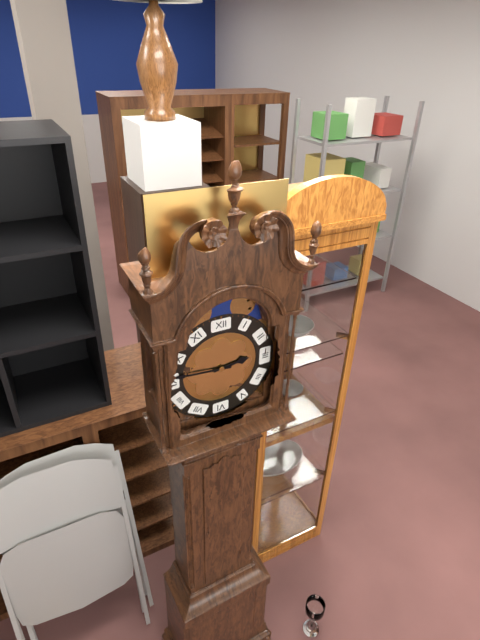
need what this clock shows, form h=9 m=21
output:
h=2 m=46
